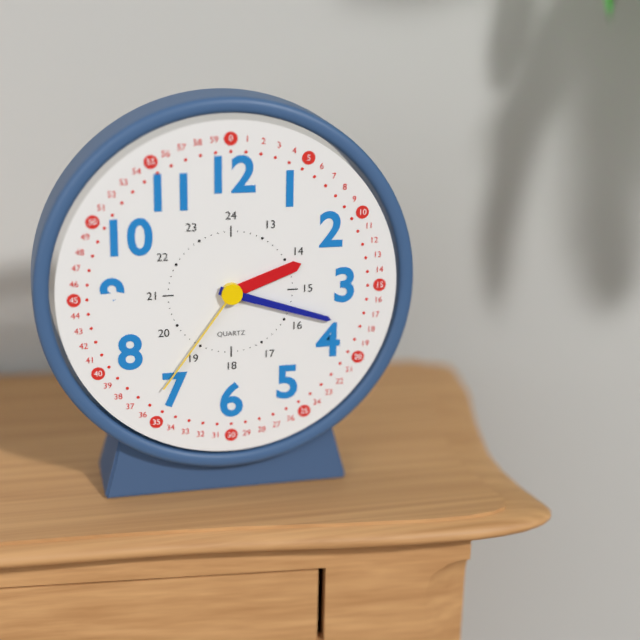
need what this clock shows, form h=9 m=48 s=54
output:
h=2 m=18 s=36
